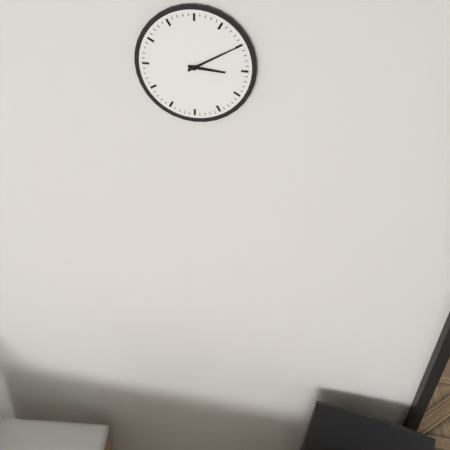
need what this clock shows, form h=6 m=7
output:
h=3 m=10
